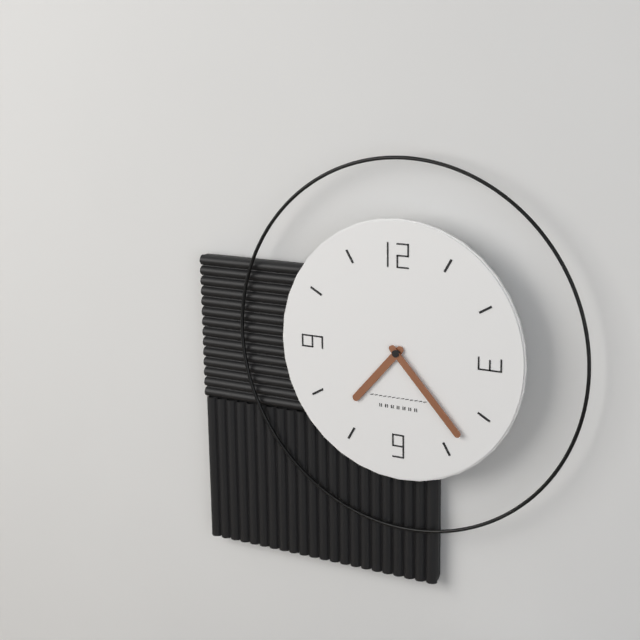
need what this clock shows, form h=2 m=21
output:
h=7 m=23
